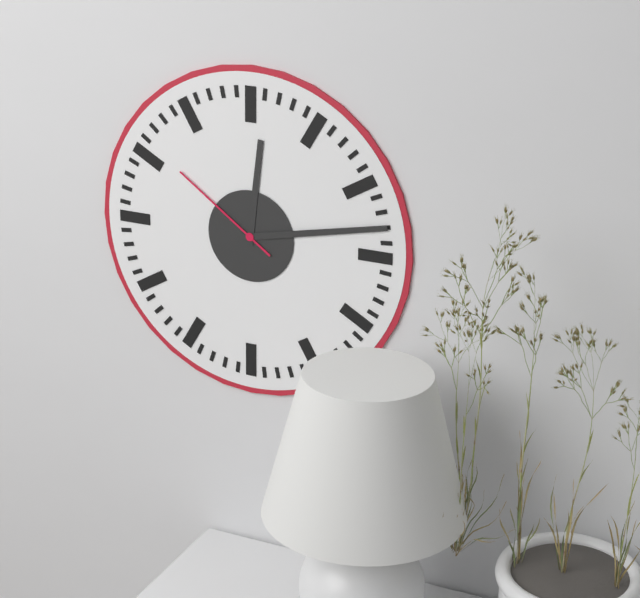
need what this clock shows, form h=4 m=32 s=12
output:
h=12 m=13 s=51
